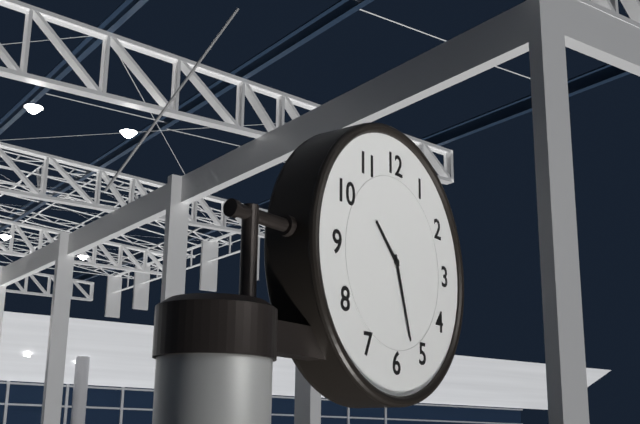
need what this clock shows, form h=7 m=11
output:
h=10 m=27
